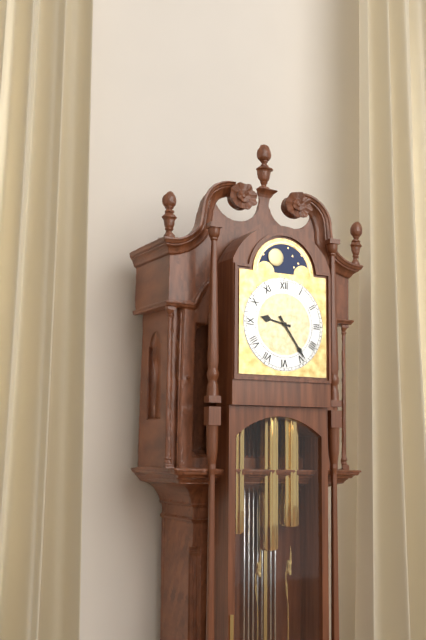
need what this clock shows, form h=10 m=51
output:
h=9 m=24
